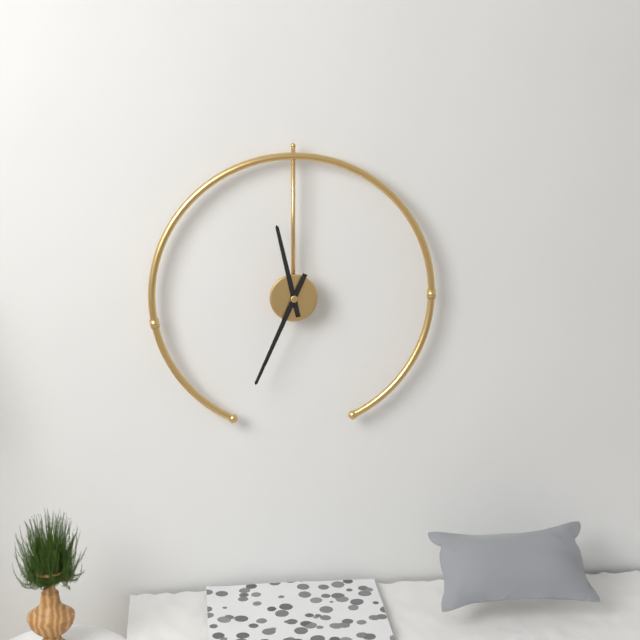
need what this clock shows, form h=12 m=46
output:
h=11 m=34
